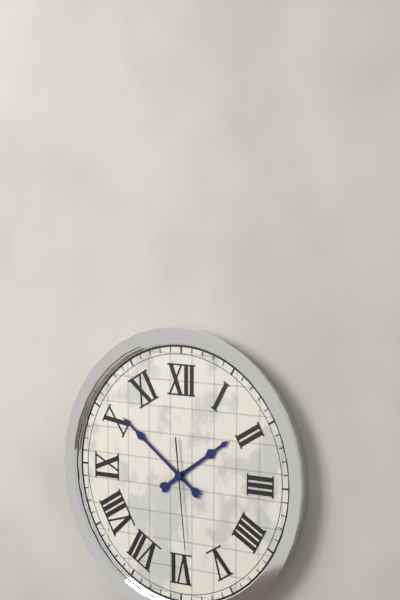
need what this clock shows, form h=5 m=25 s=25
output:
h=1 m=51 s=29
